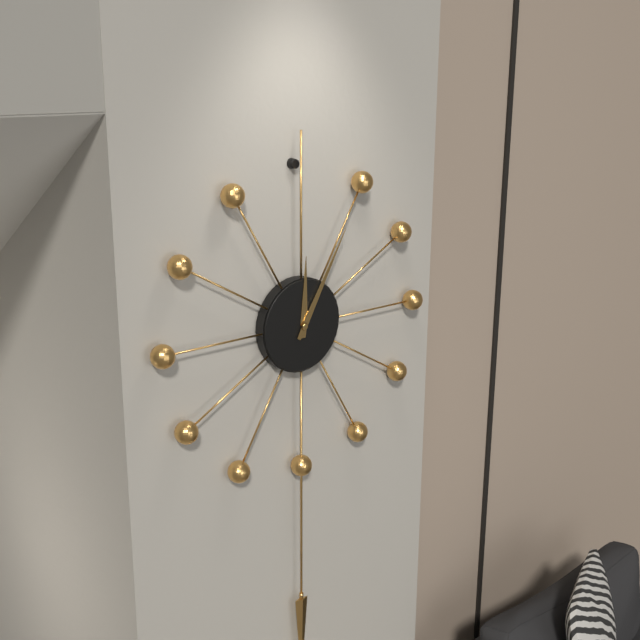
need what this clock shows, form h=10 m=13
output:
h=12 m=5
